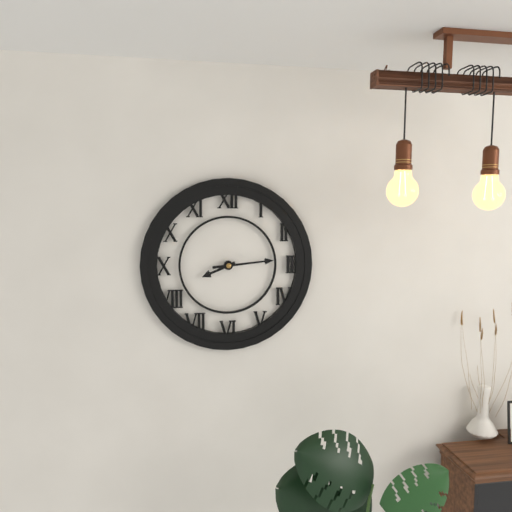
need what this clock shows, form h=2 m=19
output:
h=8 m=14
